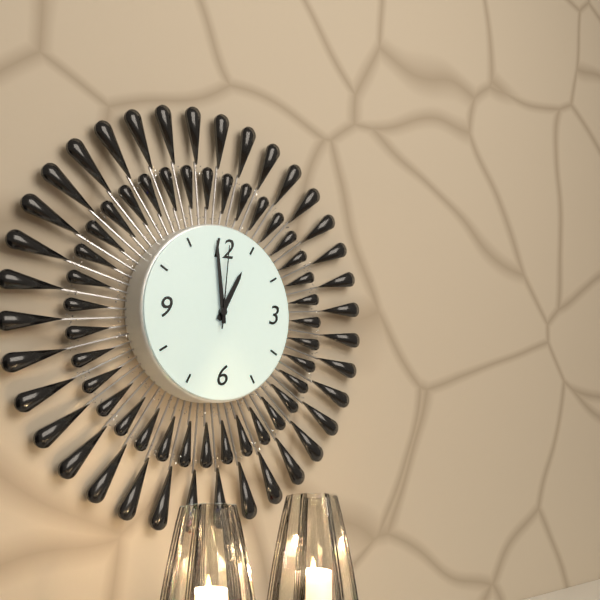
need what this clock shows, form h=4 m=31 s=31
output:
h=12 m=59 s=1
